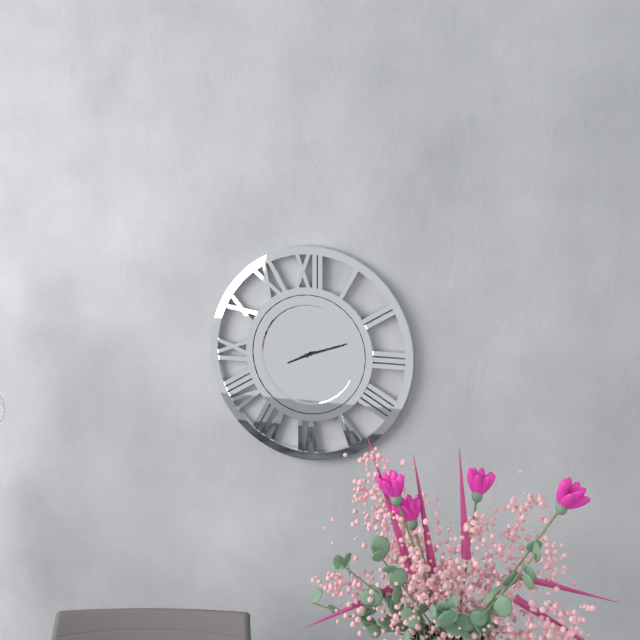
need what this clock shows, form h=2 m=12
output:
h=8 m=12
